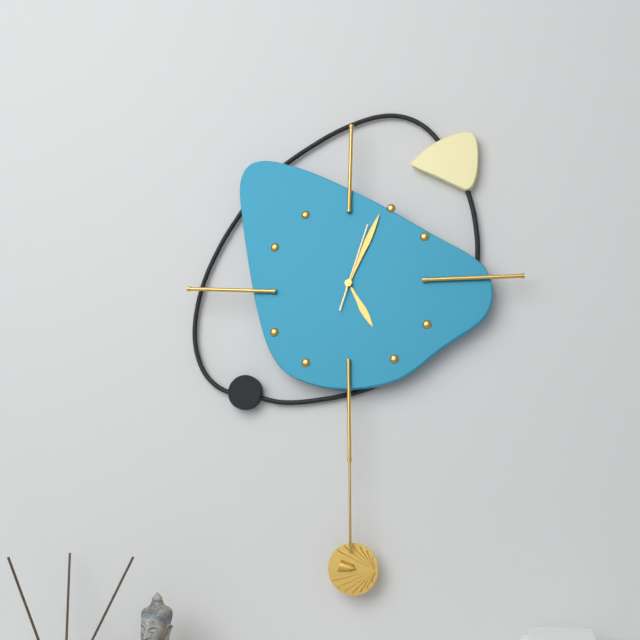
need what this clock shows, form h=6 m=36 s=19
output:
h=5 m=4 s=3
